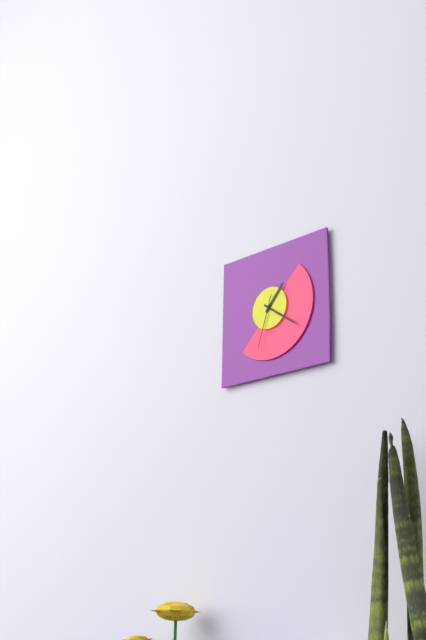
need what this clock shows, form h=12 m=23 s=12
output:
h=1 m=21 s=33
